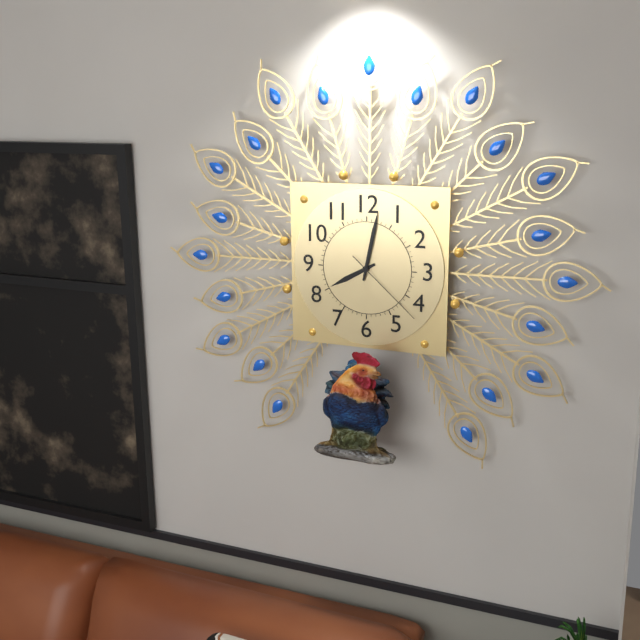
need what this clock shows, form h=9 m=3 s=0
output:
h=8 m=2 s=22
